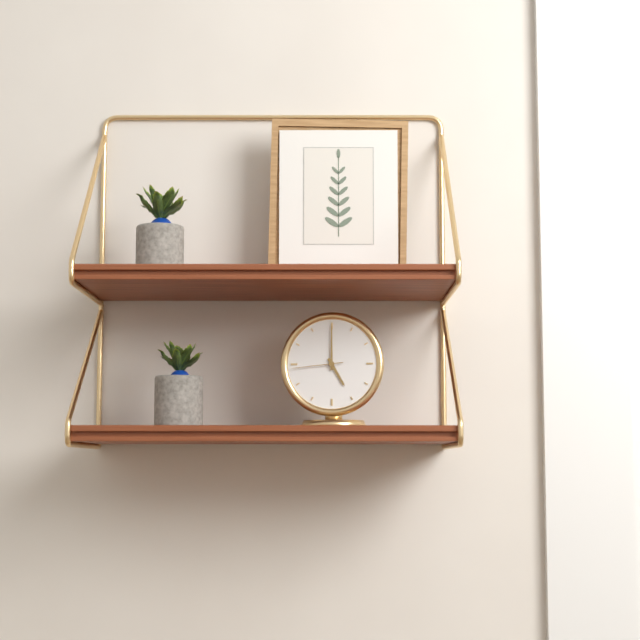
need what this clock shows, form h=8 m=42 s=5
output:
h=5 m=0 s=44
